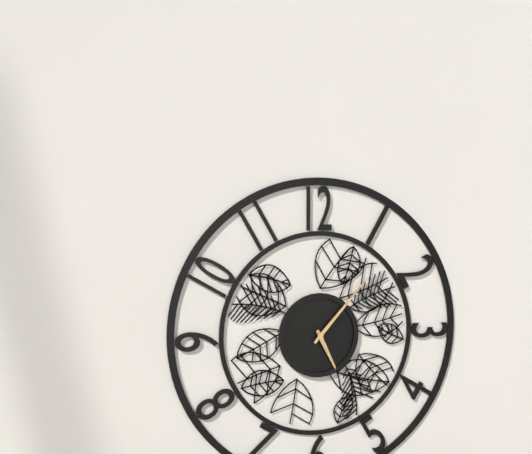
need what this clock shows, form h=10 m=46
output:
h=5 m=7
